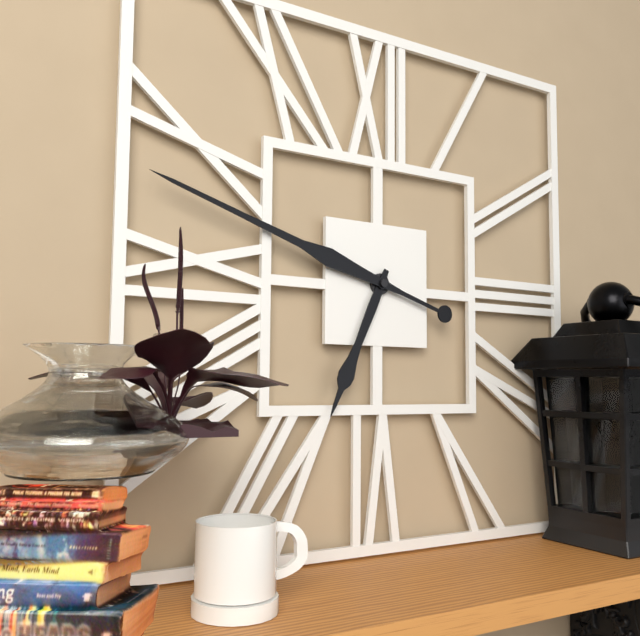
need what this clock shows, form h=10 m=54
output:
h=6 m=48
